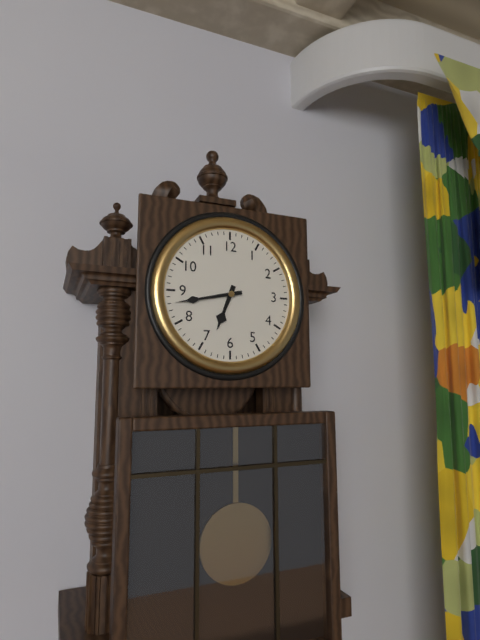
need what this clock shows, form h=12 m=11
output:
h=6 m=43
